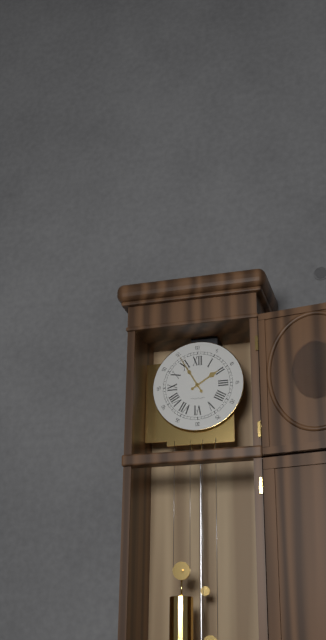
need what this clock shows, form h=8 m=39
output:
h=1 m=55
